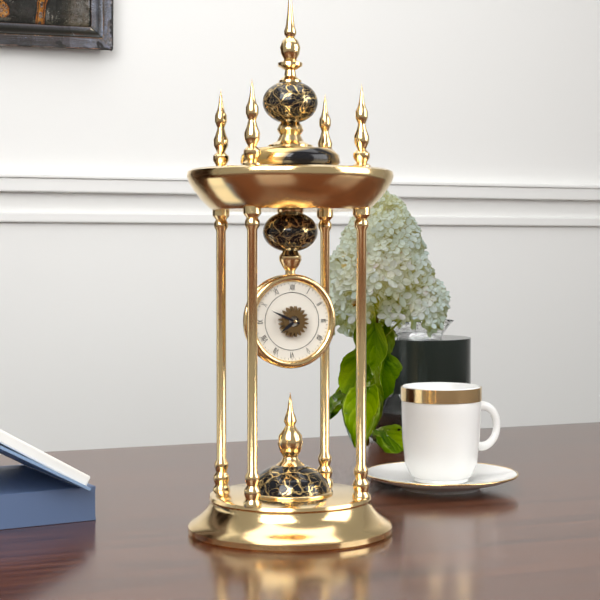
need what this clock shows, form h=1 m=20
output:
h=7 m=49
